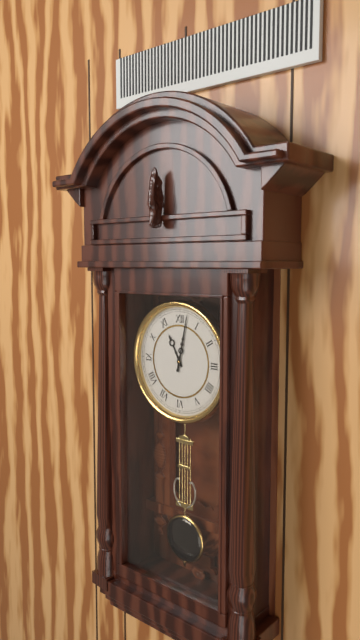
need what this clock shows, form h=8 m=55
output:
h=11 m=2
